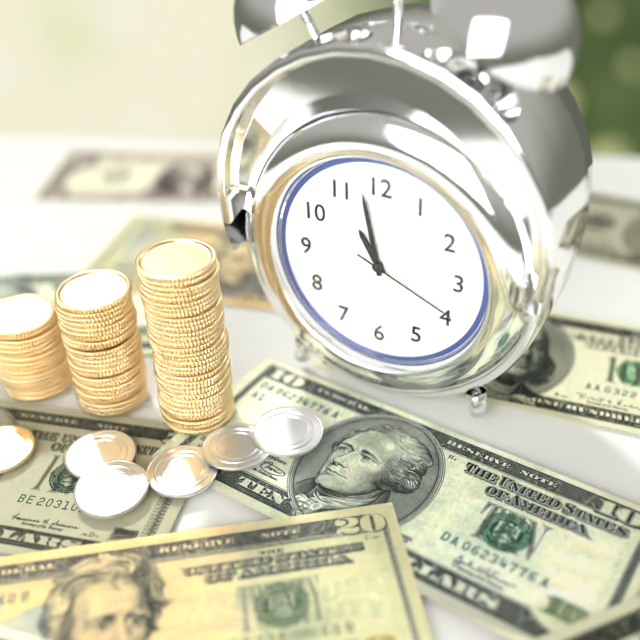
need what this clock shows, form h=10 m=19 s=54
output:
h=10 m=58 s=19
